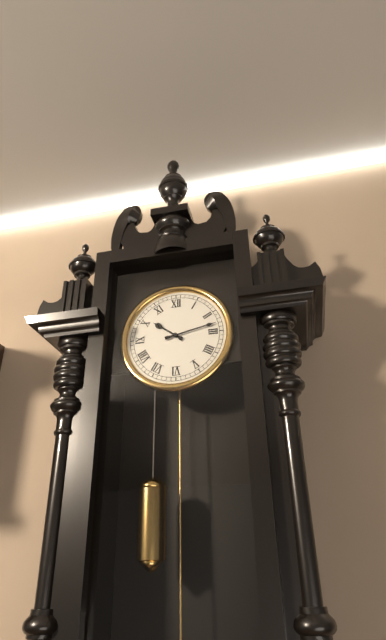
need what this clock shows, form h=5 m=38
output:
h=10 m=13
